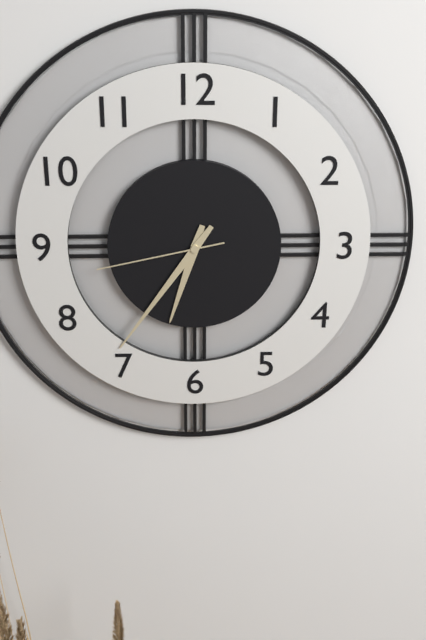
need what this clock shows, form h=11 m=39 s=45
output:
h=6 m=36 s=43
